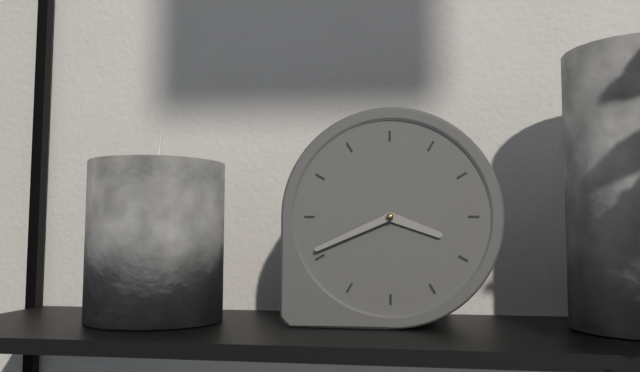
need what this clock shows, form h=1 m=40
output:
h=3 m=41
